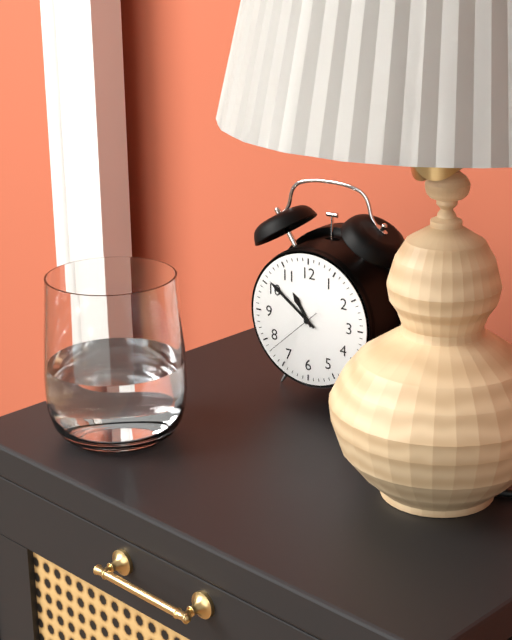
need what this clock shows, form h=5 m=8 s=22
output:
h=10 m=51 s=38
